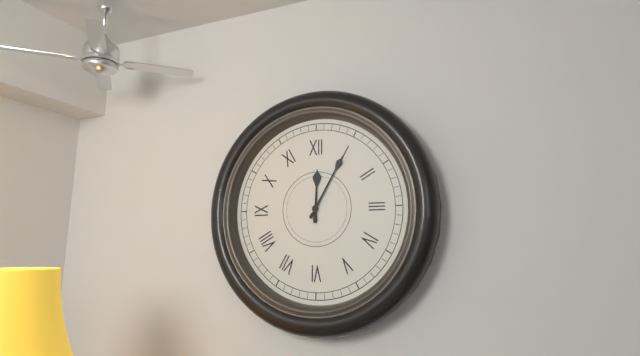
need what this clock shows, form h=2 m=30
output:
h=12 m=5
